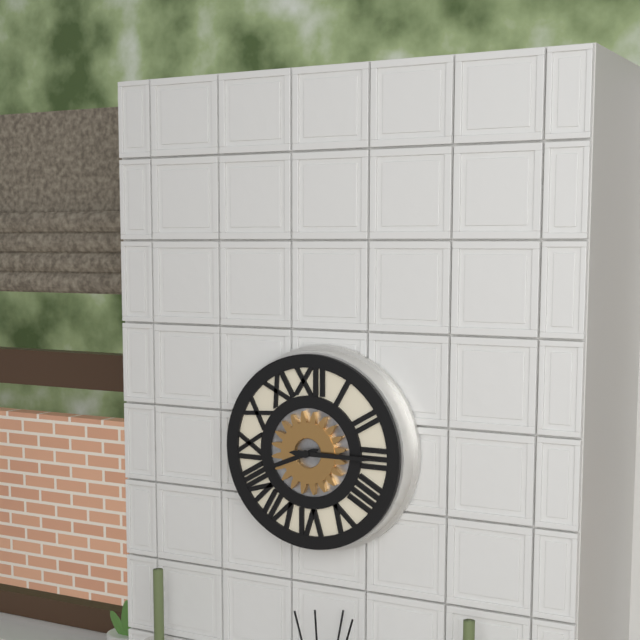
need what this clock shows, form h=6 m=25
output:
h=8 m=15
